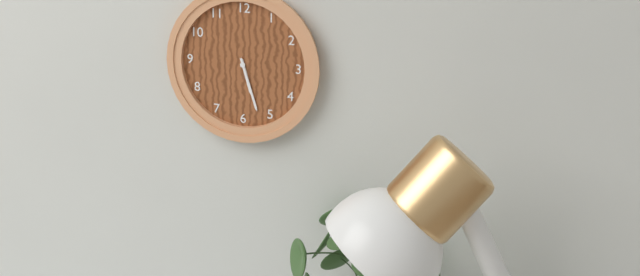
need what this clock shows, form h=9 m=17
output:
h=5 m=27
